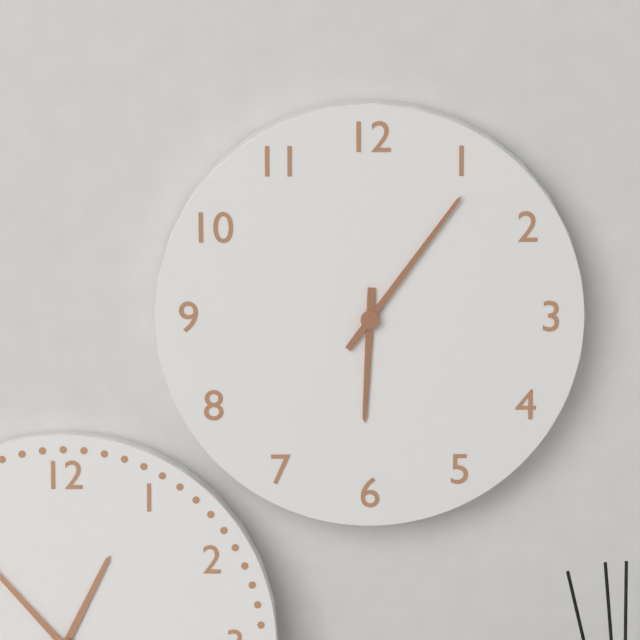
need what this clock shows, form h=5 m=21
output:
h=6 m=6
